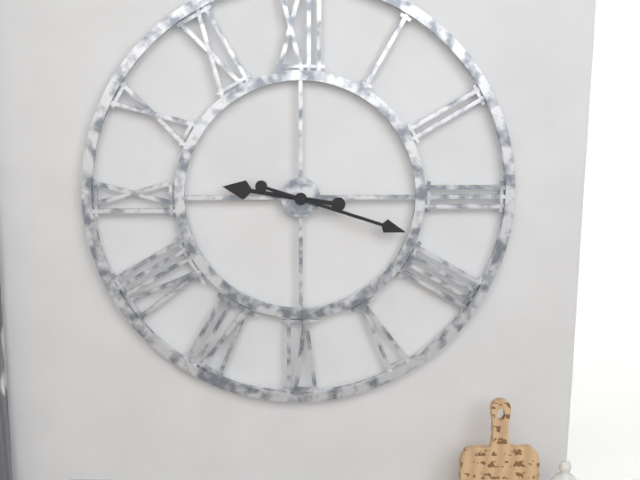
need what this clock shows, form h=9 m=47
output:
h=9 m=18
